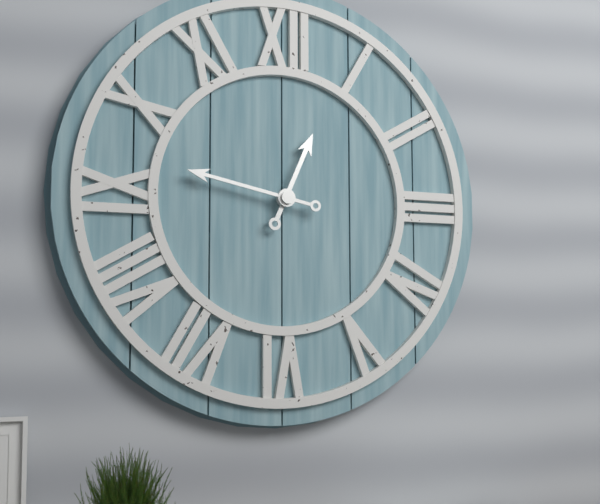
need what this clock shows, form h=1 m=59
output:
h=12 m=47
